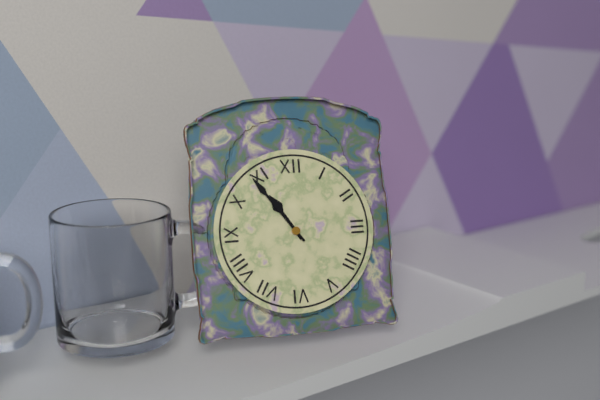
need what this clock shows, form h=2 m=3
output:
h=10 m=54
